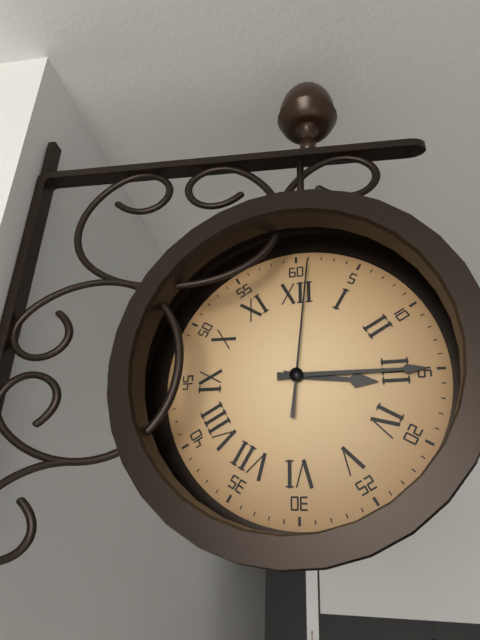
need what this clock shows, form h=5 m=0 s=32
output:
h=3 m=15 s=1
